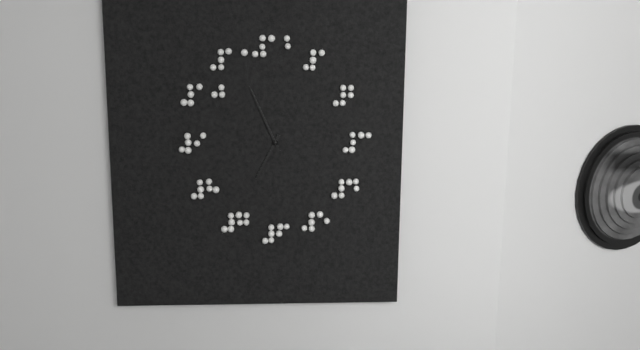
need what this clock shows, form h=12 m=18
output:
h=6 m=56
